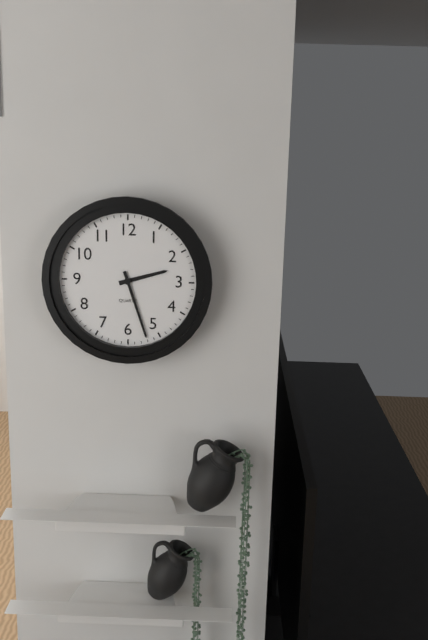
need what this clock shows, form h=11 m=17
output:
h=2 m=27
